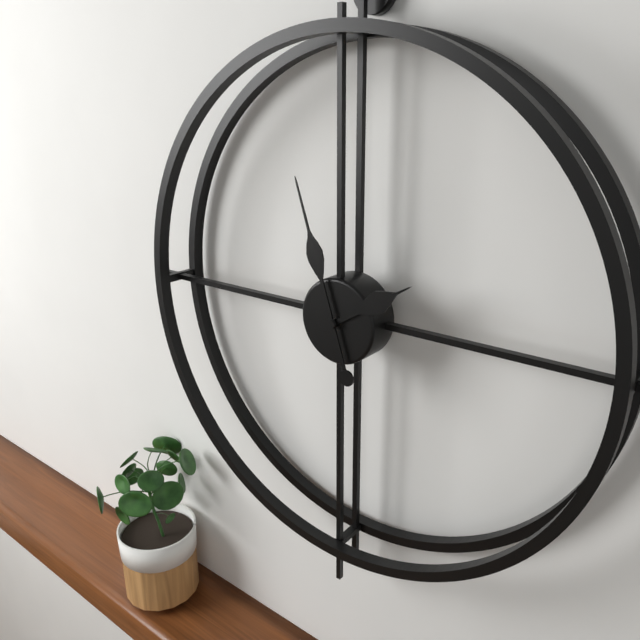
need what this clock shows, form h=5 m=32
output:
h=1 m=57
